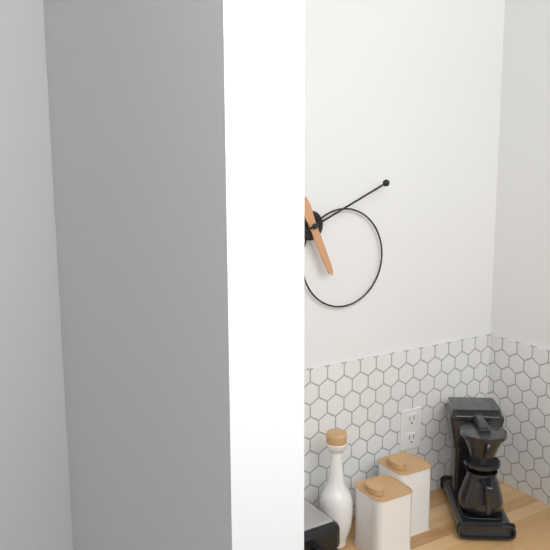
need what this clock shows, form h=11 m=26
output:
h=5 m=11
